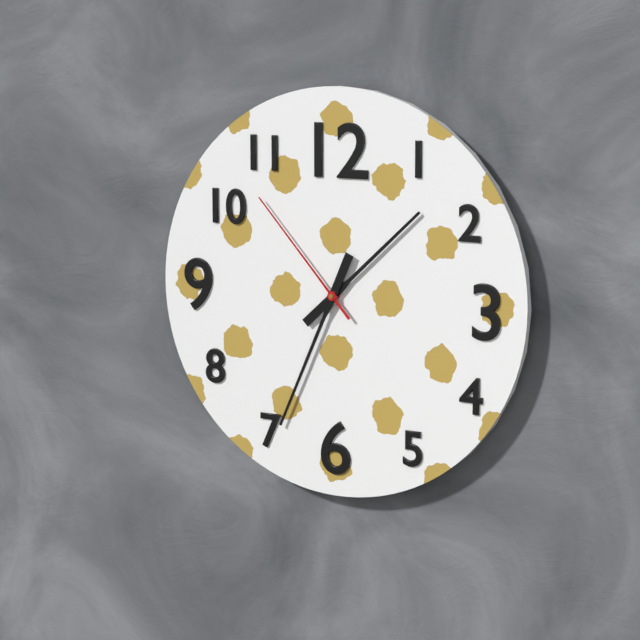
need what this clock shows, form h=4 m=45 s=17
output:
h=1 m=34 s=53
